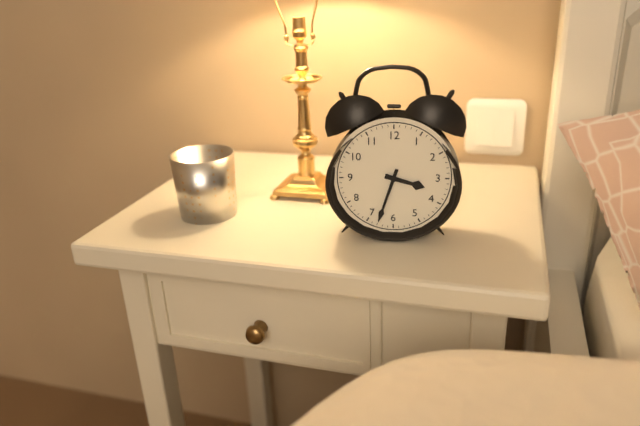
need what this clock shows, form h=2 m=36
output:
h=3 m=33
